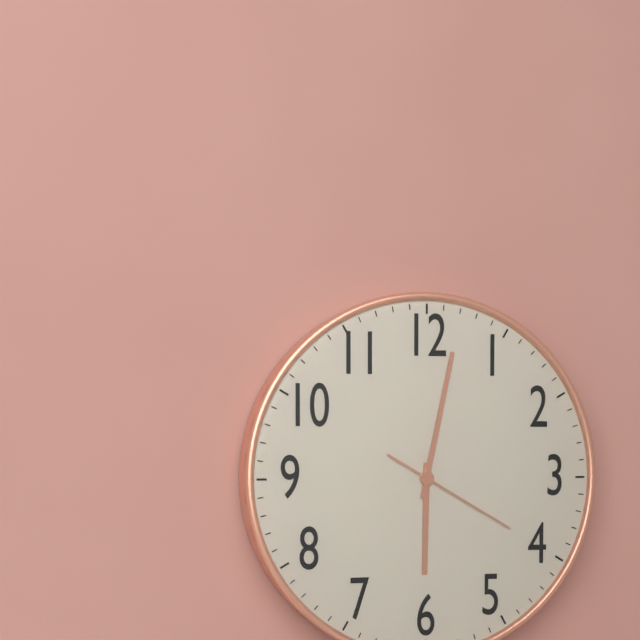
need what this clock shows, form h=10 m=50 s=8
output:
h=6 m=2 s=20
